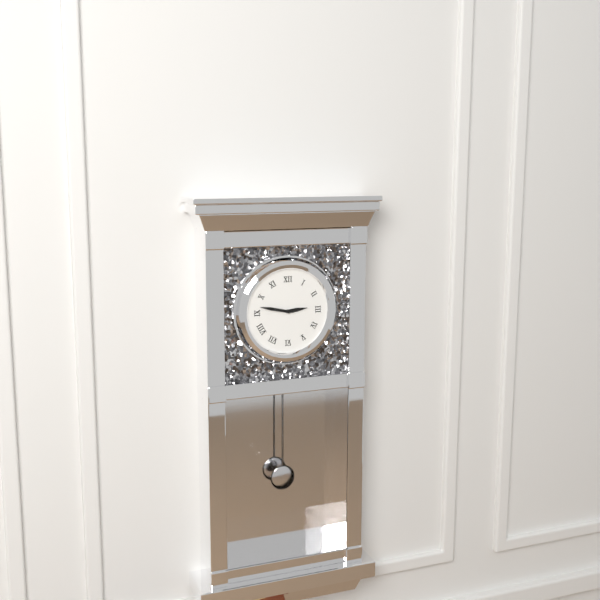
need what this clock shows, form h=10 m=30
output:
h=2 m=47
